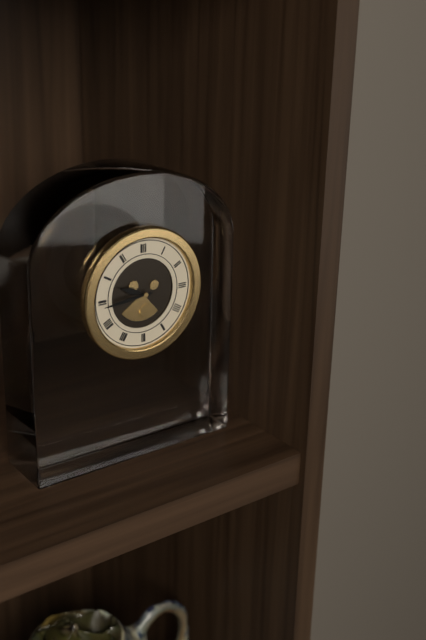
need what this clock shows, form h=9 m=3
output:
h=9 m=44
